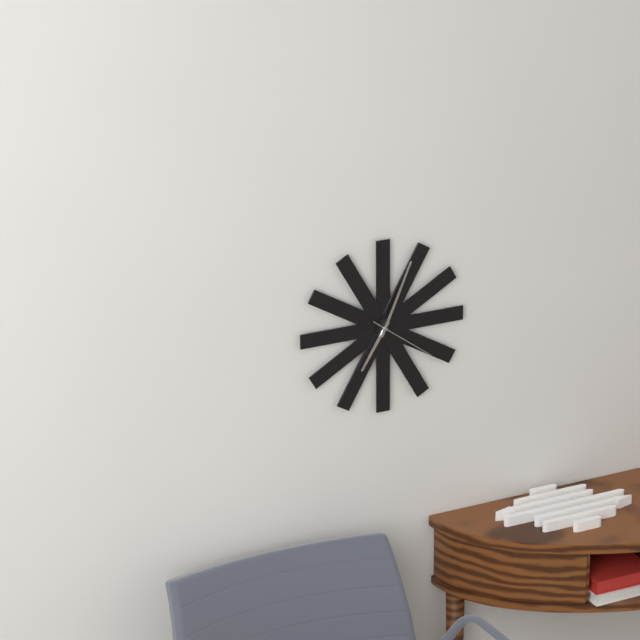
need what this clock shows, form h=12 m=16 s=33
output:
h=7 m=4 s=21
